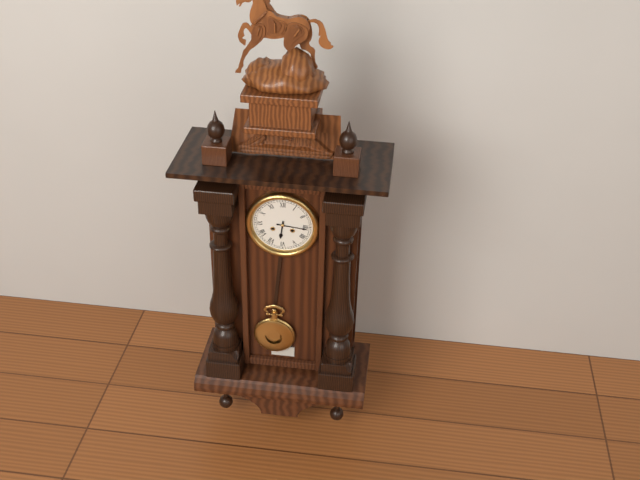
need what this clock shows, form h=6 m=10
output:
h=6 m=16
